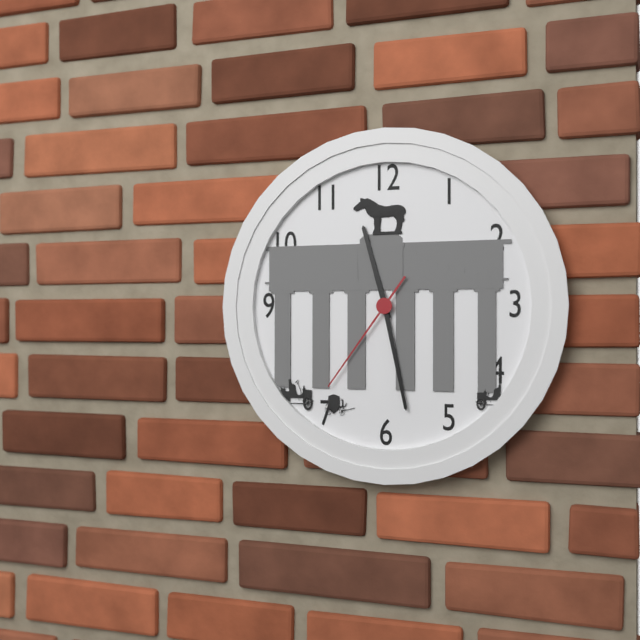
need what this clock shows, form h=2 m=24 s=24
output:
h=11 m=28 s=36
